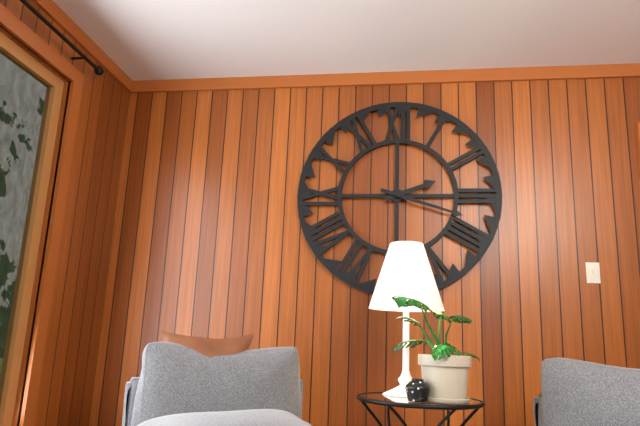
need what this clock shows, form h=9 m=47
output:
h=2 m=18
